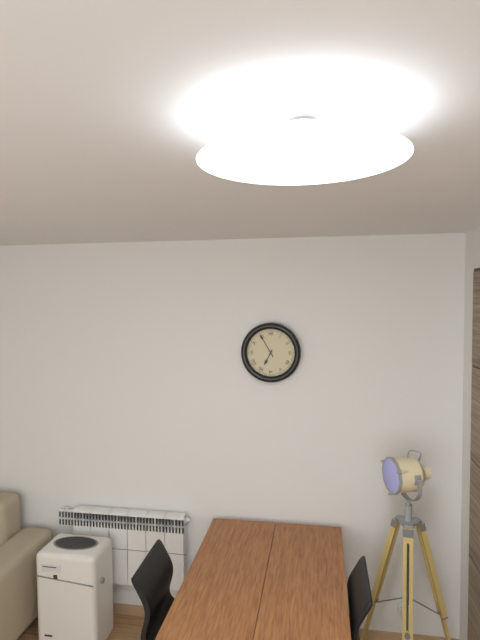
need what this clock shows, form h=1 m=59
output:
h=6 m=55
